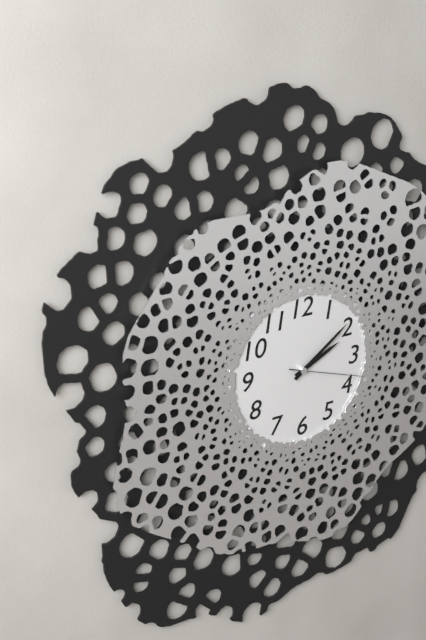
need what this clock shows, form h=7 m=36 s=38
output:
h=2 m=9 s=18
